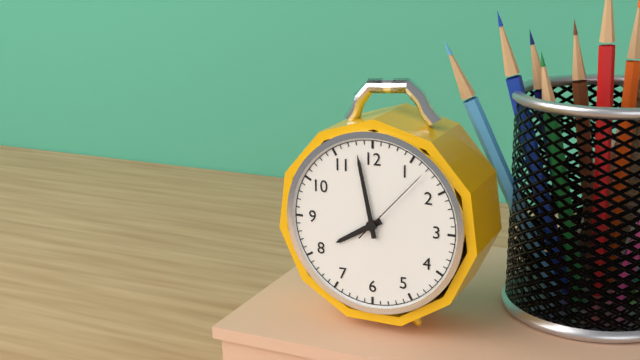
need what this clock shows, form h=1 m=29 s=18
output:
h=7 m=58 s=7
